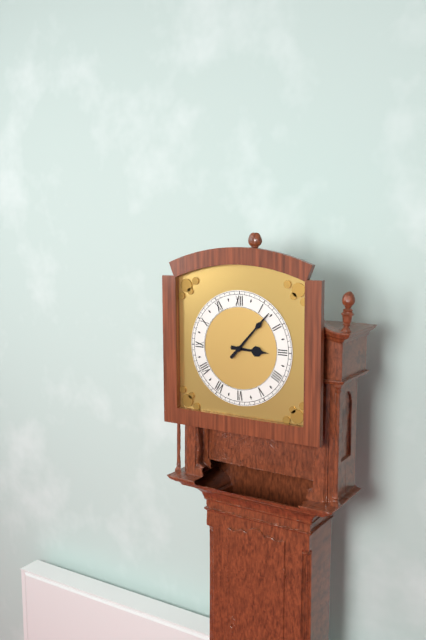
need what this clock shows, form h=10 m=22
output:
h=3 m=7
